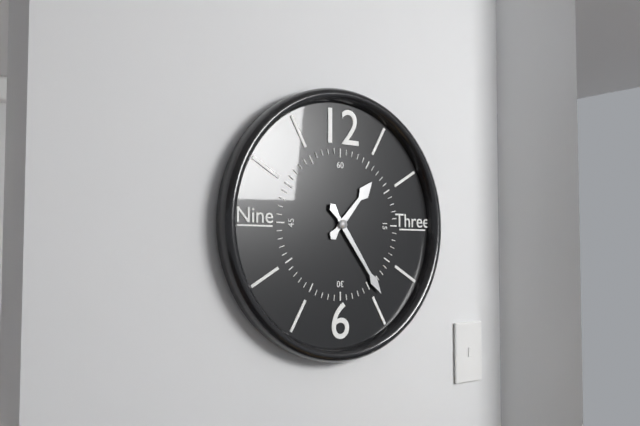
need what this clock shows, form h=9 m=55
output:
h=1 m=24
